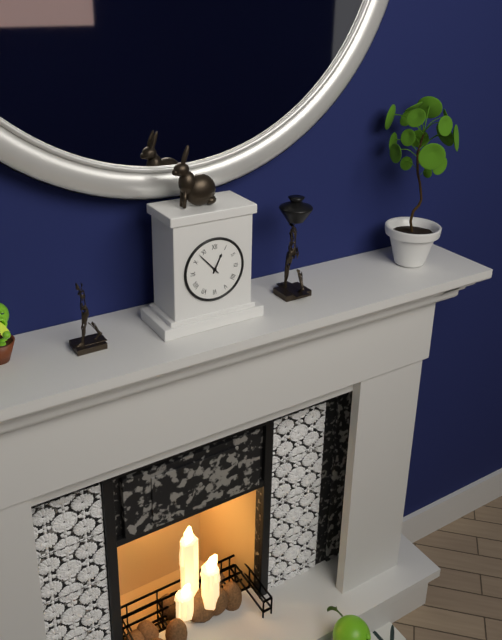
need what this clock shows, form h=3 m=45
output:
h=12 m=53
